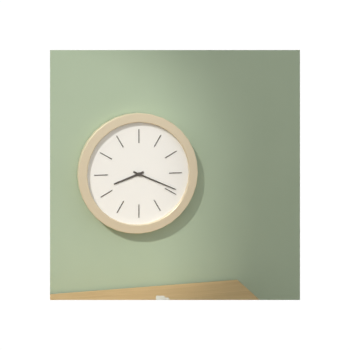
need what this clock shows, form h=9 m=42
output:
h=8 m=19
